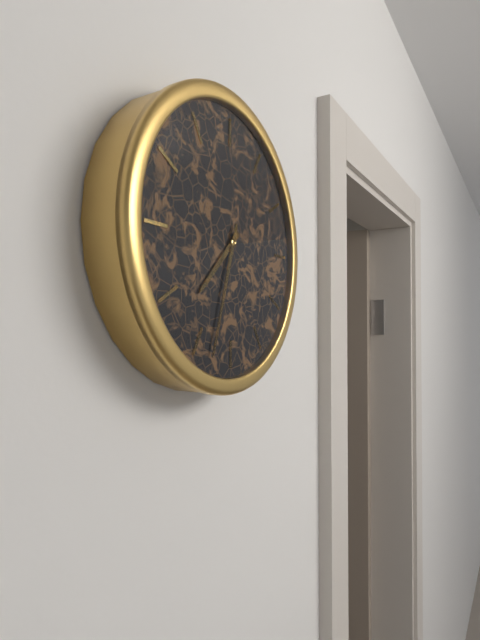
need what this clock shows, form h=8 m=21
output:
h=7 m=33
